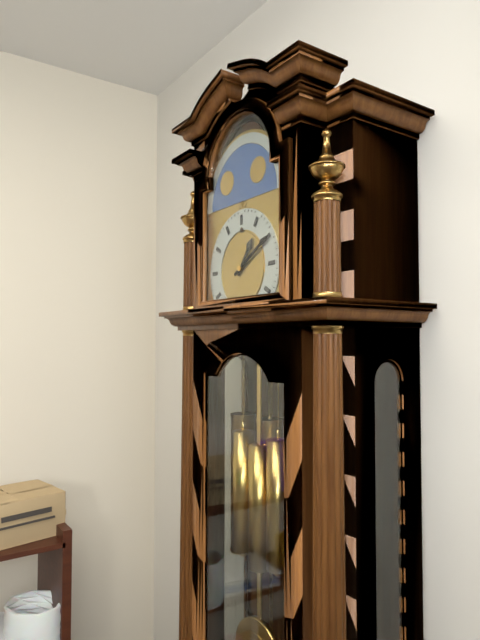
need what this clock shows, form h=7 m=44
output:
h=1 m=10
